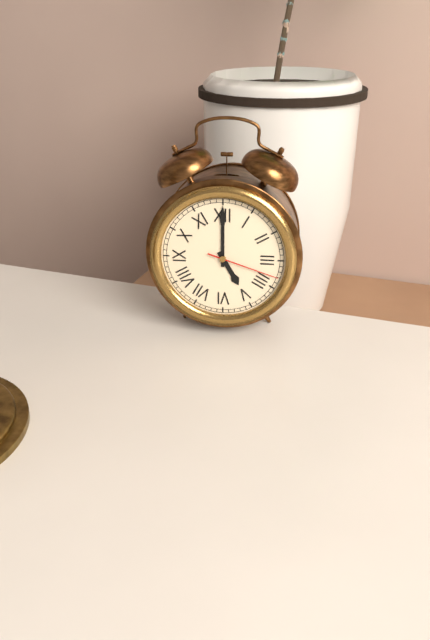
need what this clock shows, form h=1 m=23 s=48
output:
h=5 m=0 s=18
